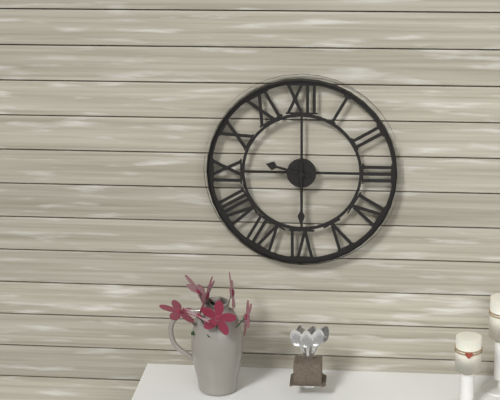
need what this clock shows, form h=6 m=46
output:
h=9 m=30
